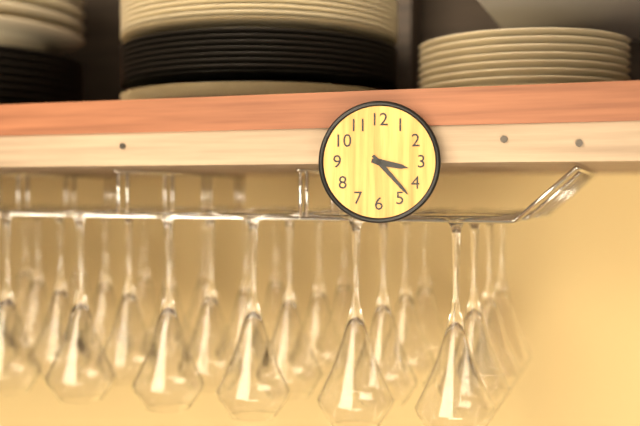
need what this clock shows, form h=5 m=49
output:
h=3 m=23
